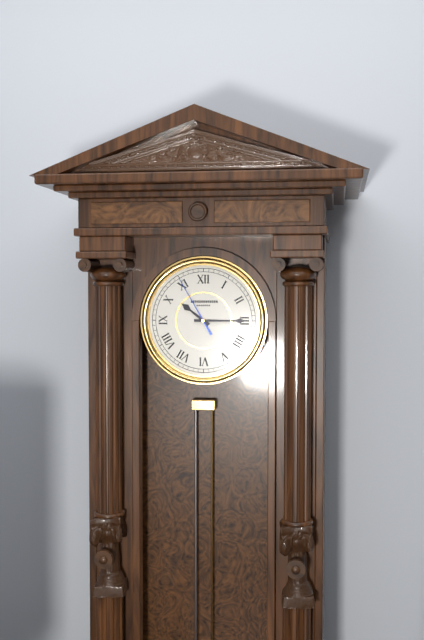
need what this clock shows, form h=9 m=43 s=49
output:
h=10 m=15 s=55
